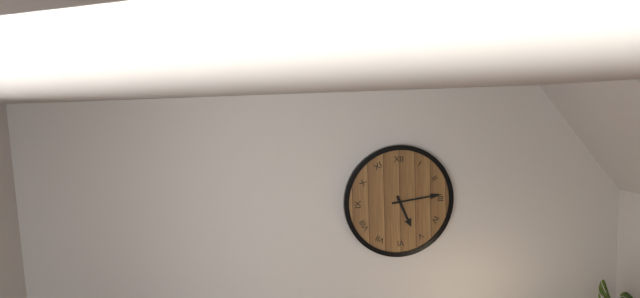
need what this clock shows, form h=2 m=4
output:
h=5 m=14
